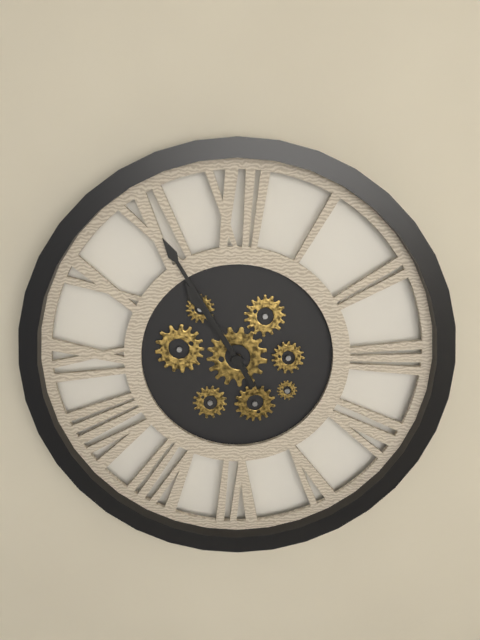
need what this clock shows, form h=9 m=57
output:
h=10 m=55
